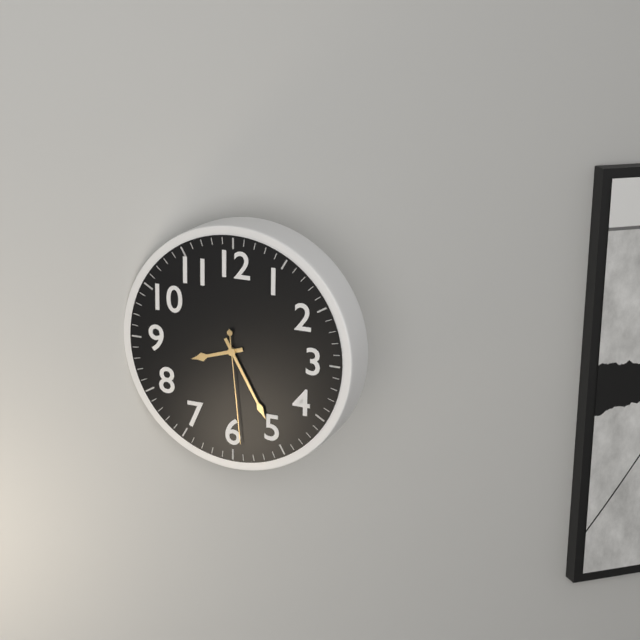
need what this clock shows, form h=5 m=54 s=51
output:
h=8 m=25 s=29
